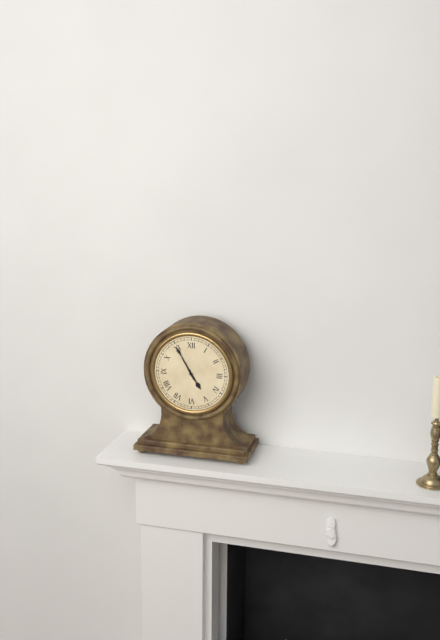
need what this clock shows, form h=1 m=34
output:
h=4 m=55
